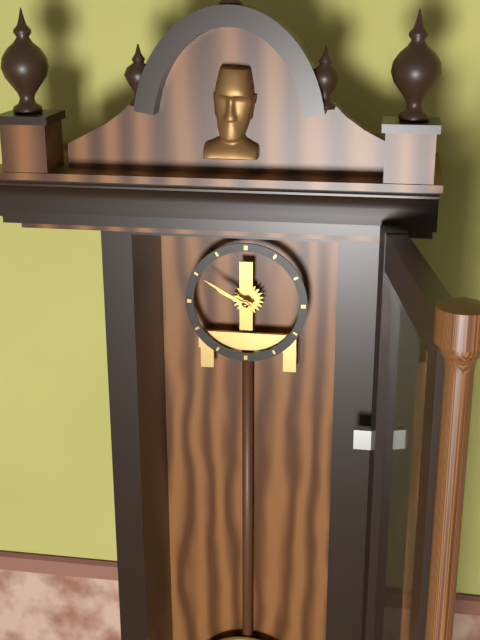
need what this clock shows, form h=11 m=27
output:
h=9 m=50
